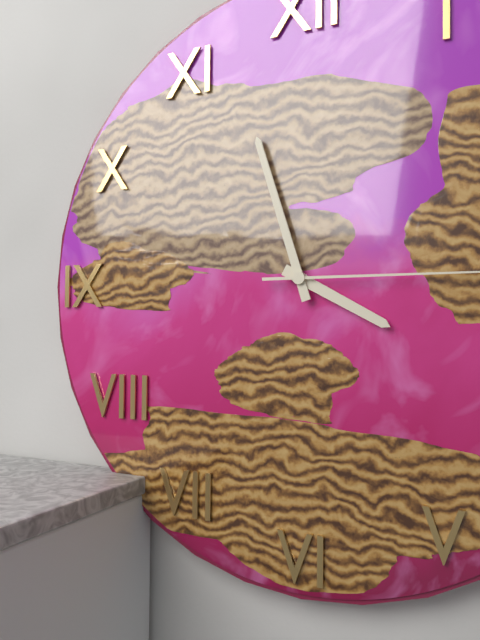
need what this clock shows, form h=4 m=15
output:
h=3 m=57
